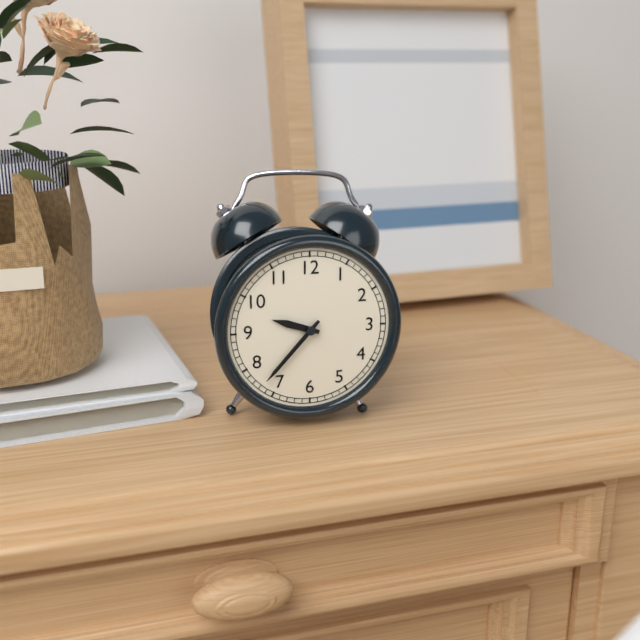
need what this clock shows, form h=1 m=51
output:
h=9 m=37
